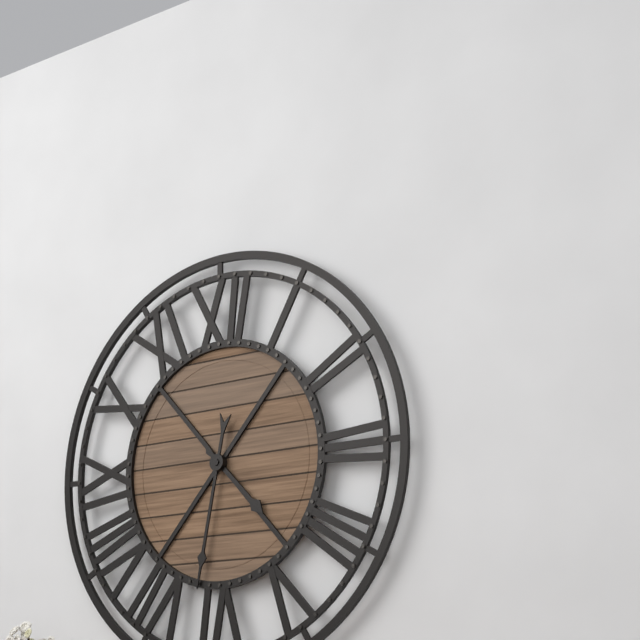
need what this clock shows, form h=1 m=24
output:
h=4 m=32
